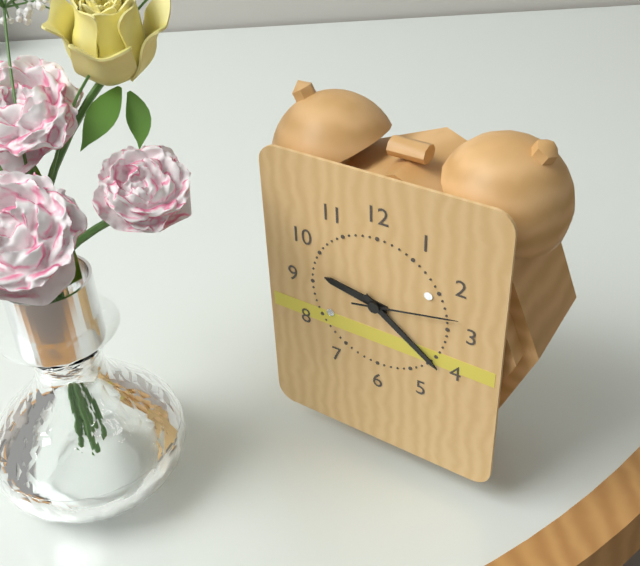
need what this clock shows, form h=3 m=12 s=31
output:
h=9 m=21 s=13
